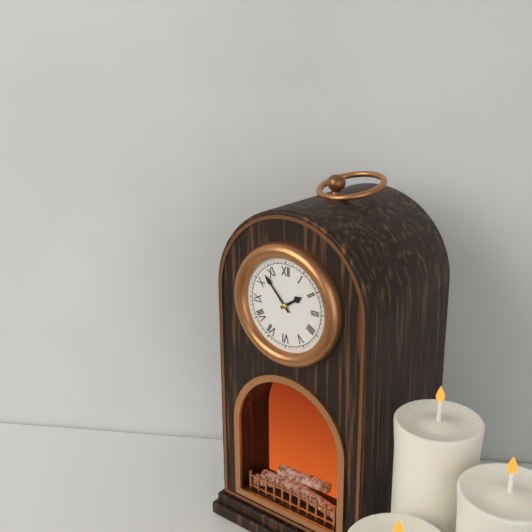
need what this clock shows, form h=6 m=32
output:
h=1 m=53
